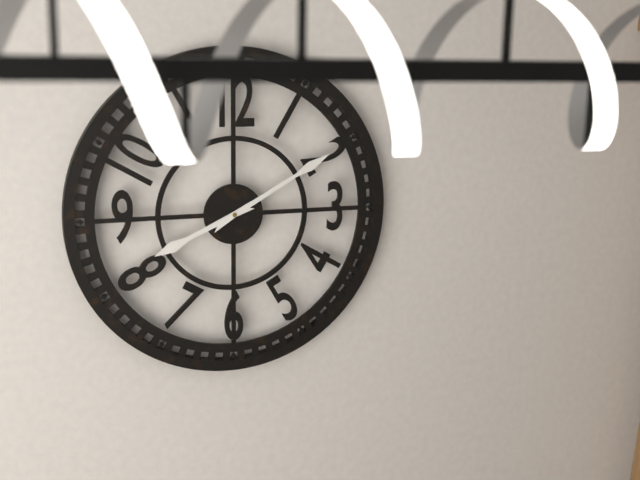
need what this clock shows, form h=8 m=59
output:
h=8 m=10
